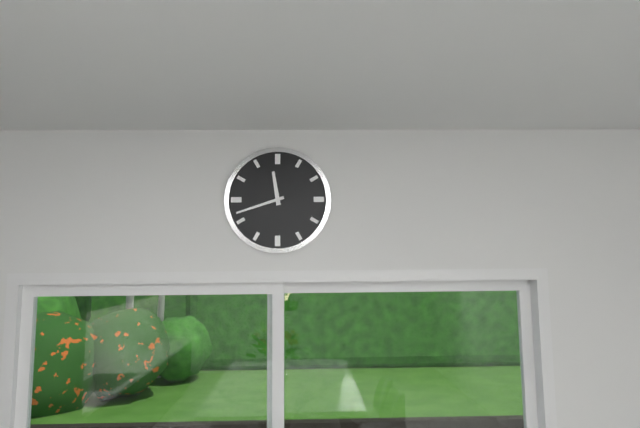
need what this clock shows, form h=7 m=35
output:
h=11 m=42
